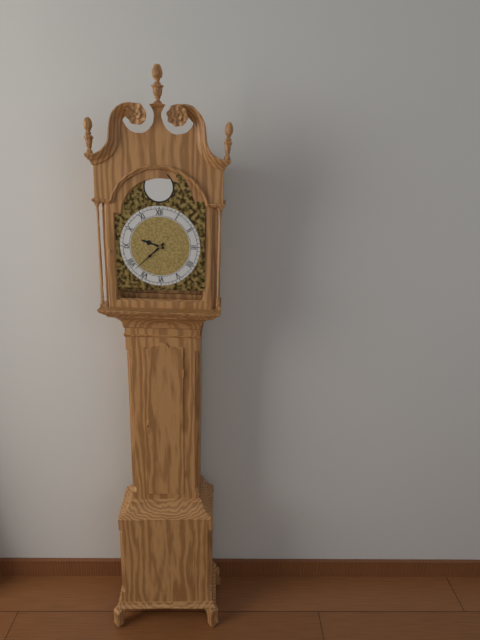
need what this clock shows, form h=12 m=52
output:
h=9 m=38
